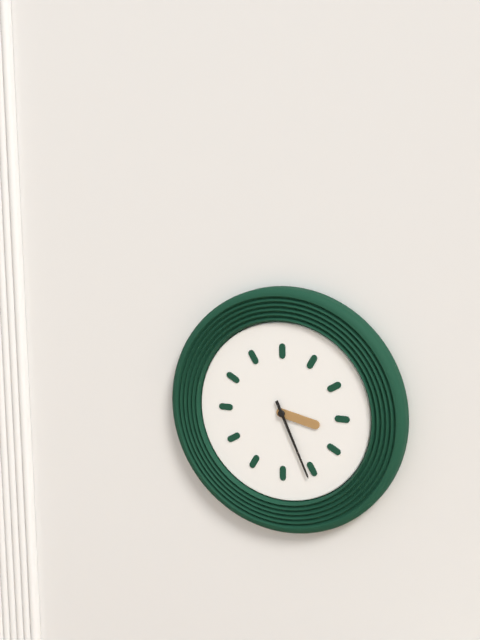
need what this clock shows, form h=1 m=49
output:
h=3 m=26
